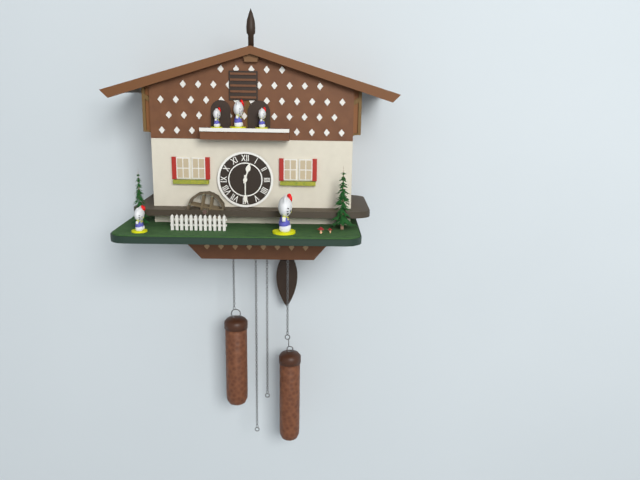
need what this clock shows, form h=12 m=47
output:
h=12 m=30
